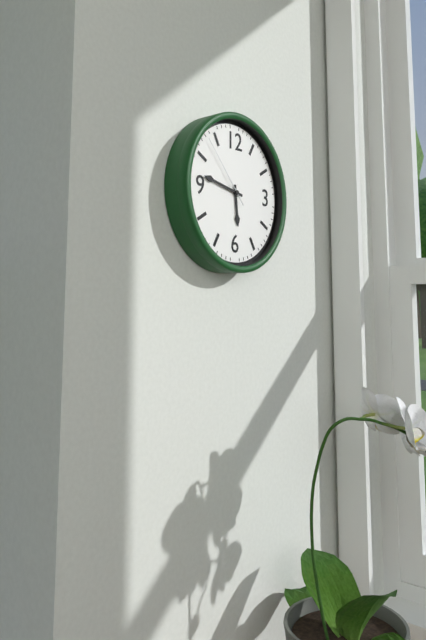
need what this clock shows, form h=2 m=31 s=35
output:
h=5 m=47 s=53
